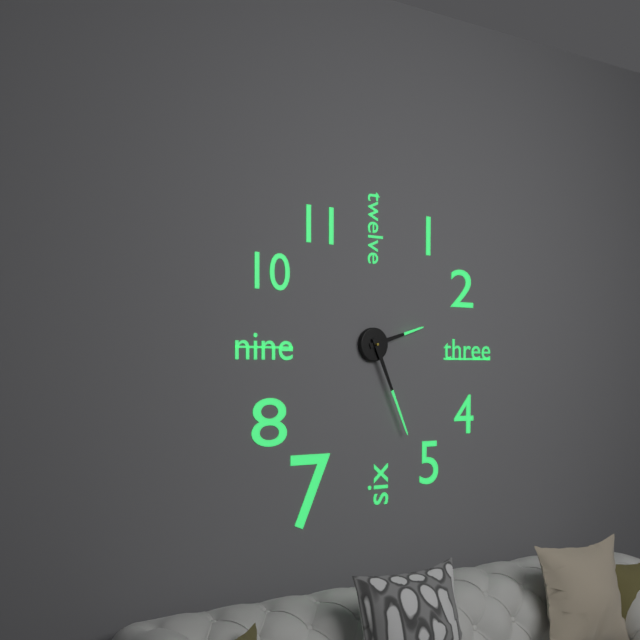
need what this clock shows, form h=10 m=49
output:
h=2 m=26
